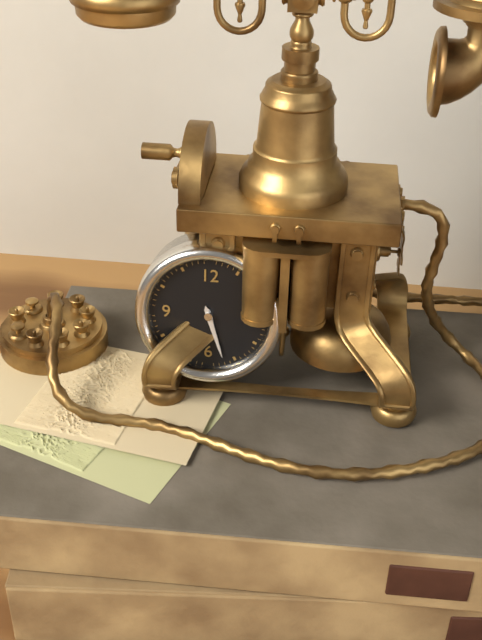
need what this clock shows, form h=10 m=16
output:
h=5 m=27
